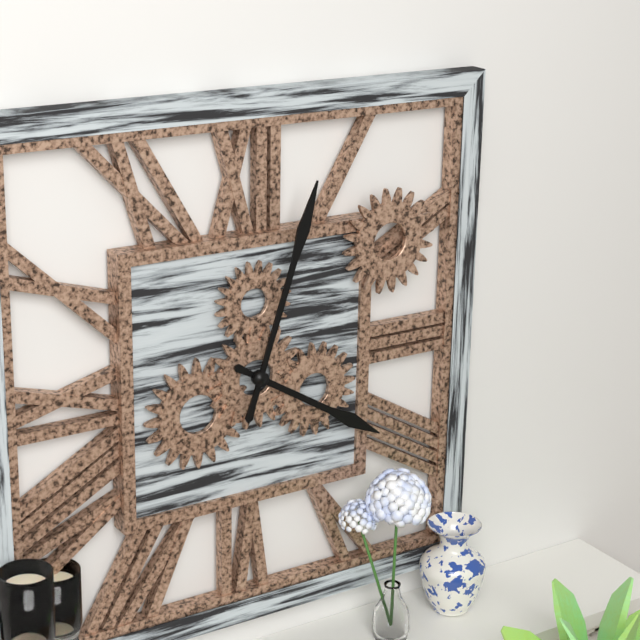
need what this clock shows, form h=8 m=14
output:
h=4 m=3
